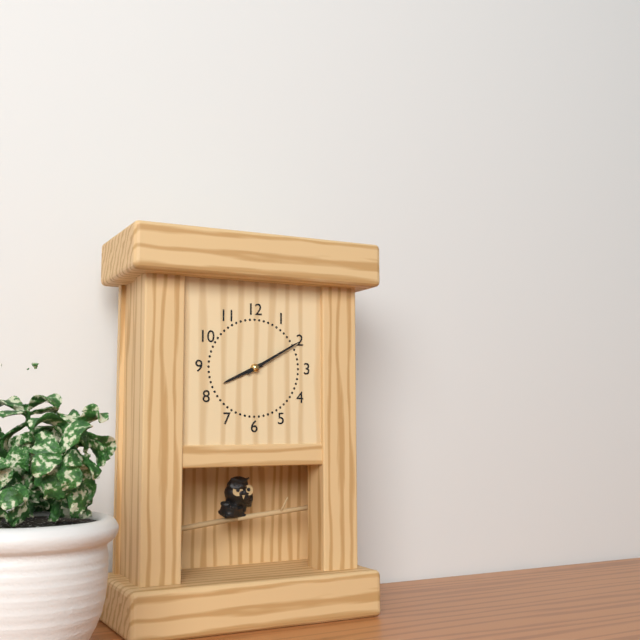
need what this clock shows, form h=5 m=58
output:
h=8 m=10
